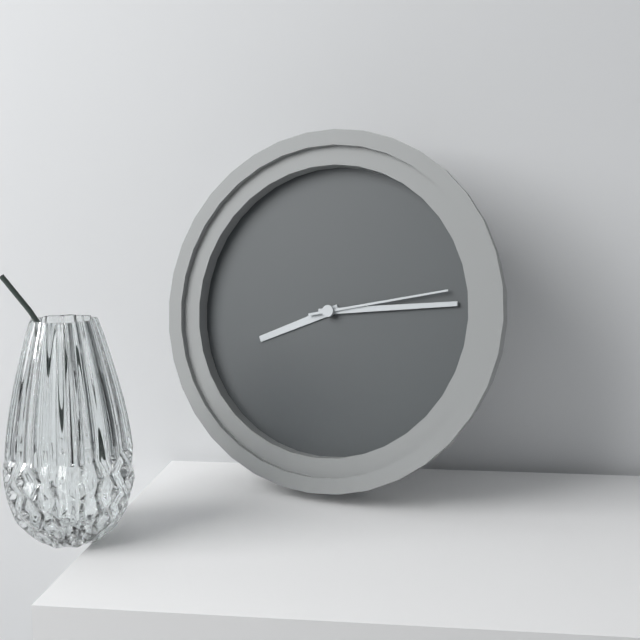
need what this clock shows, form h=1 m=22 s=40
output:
h=8 m=14 s=13
